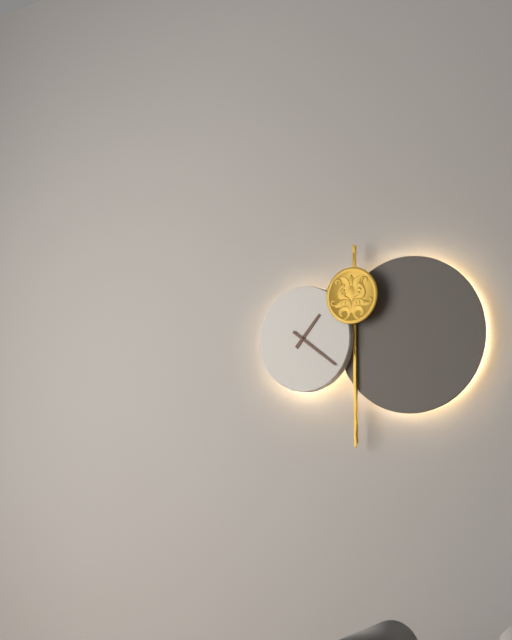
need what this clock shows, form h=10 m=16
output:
h=1 m=21
